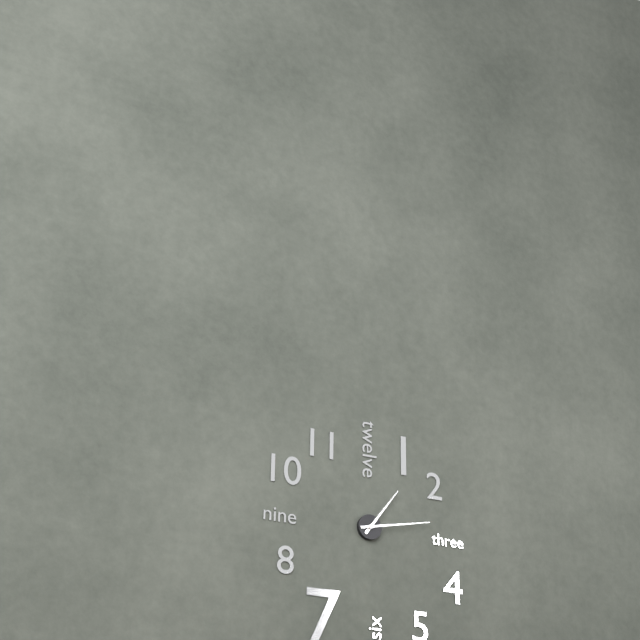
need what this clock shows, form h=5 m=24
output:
h=1 m=13
